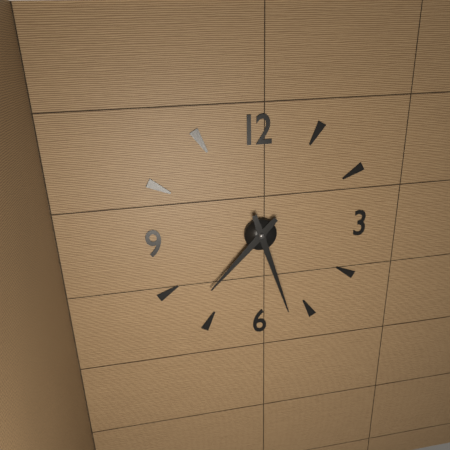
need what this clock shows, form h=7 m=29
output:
h=7 m=27
